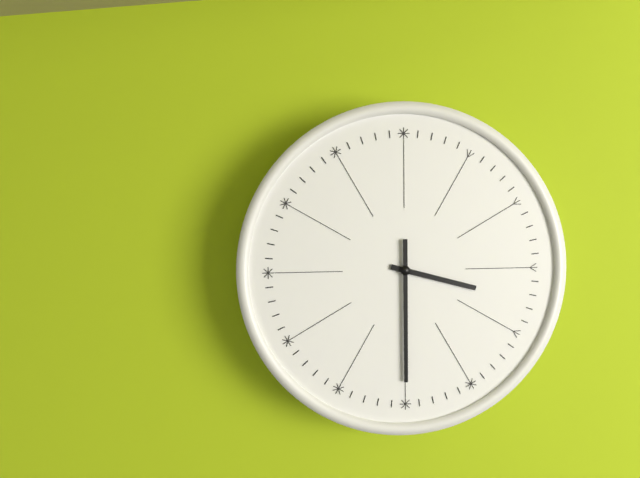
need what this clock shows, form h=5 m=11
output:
h=3 m=30
